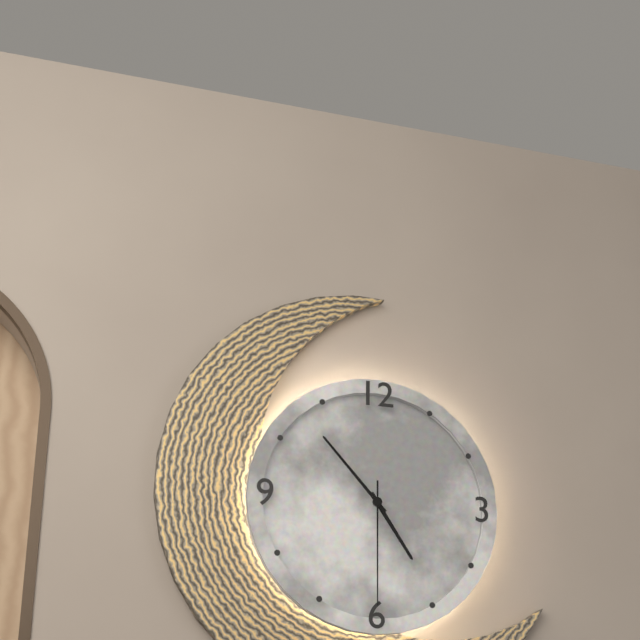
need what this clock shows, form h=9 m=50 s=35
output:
h=4 m=53 s=30
